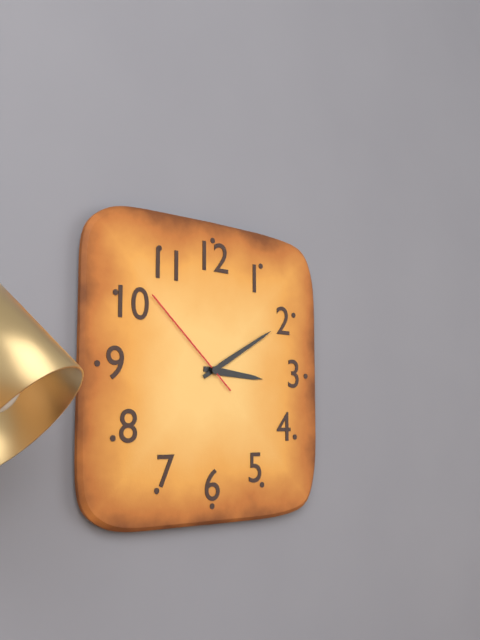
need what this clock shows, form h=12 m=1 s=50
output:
h=3 m=10 s=52
